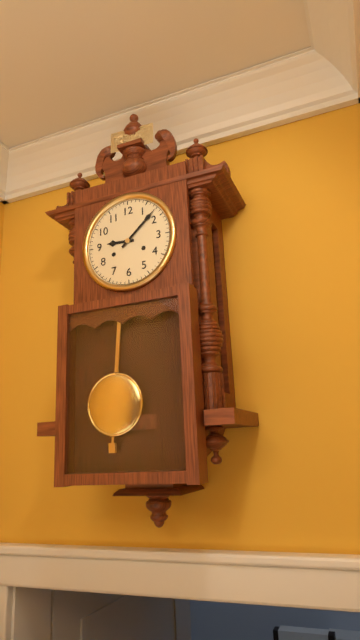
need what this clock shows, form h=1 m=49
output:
h=9 m=8
